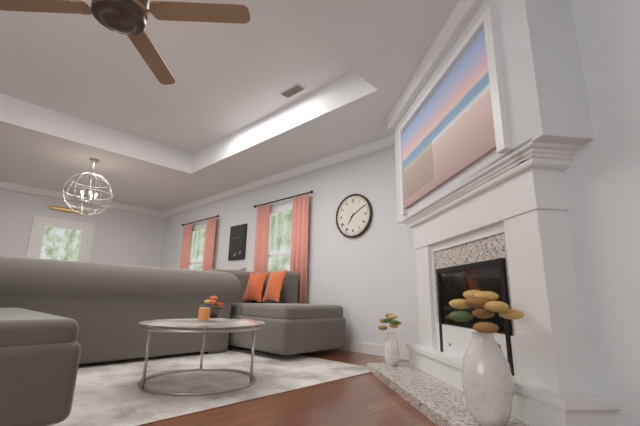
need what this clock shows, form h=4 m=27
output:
h=7 m=10
